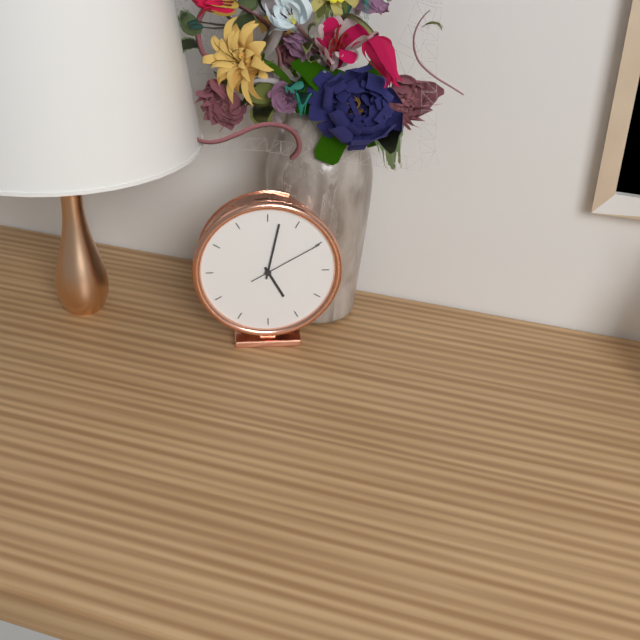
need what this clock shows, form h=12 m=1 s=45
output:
h=5 m=2 s=10
